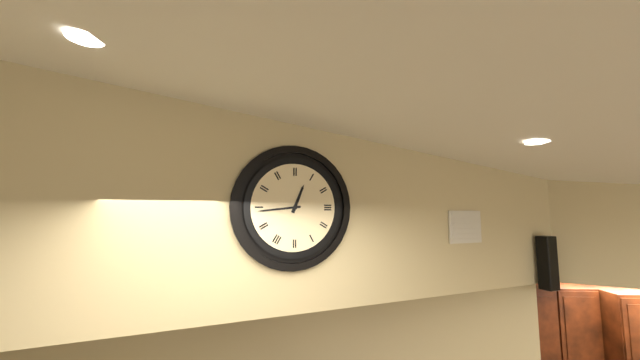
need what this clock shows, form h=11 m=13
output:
h=12 m=44
